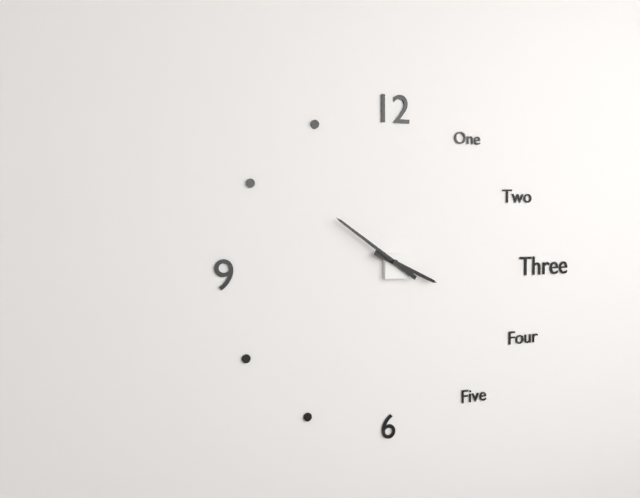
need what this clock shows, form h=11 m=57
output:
h=3 m=51
